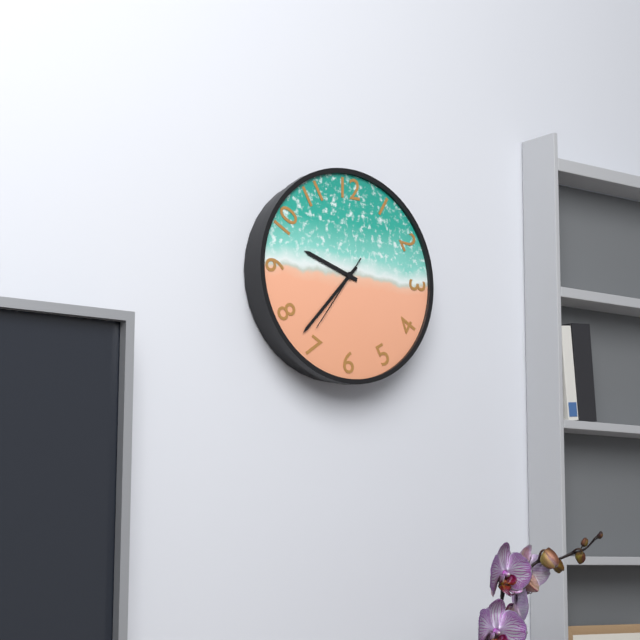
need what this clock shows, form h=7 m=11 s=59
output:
h=9 m=37 s=36
